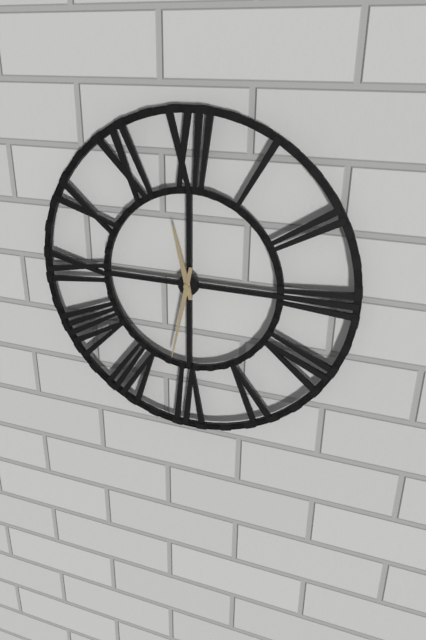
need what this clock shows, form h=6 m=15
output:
h=11 m=32
